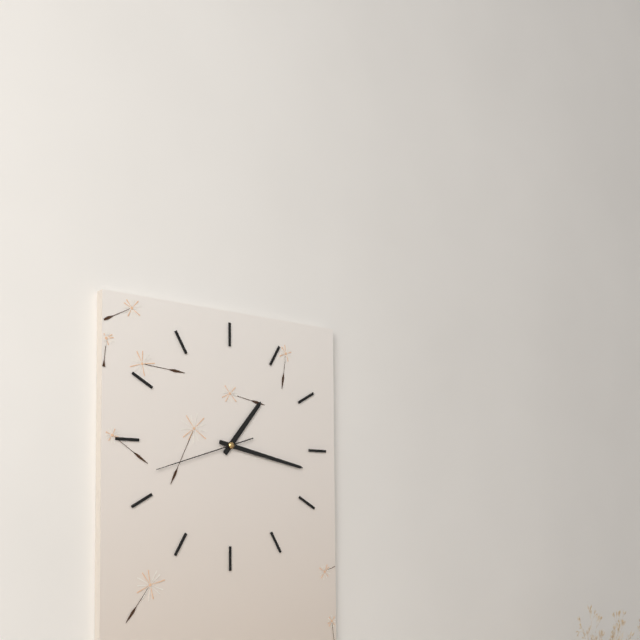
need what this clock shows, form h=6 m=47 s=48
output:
h=1 m=17 s=42
